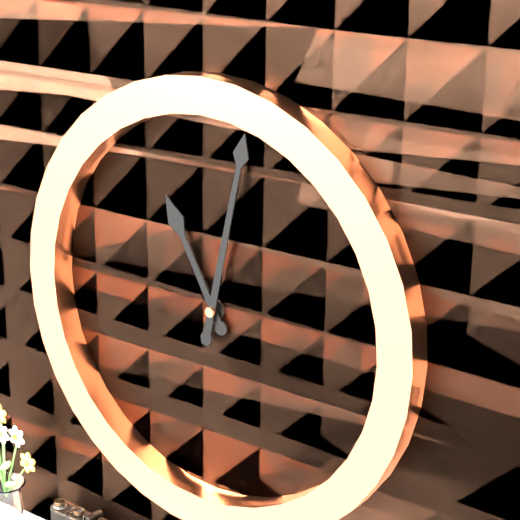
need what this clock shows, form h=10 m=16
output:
h=11 m=2
